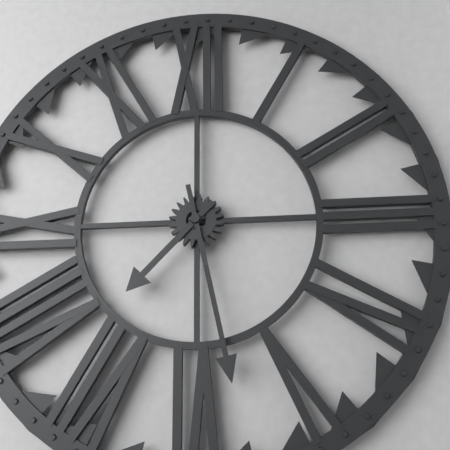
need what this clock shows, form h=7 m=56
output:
h=7 m=28
